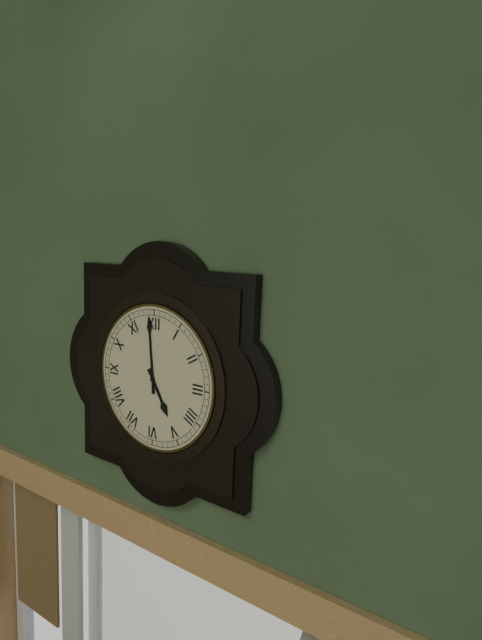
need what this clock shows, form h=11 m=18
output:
h=4 m=59
